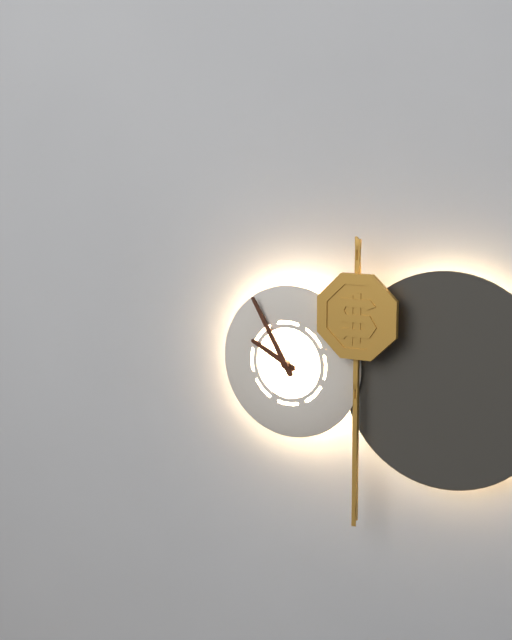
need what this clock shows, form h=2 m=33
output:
h=9 m=55
